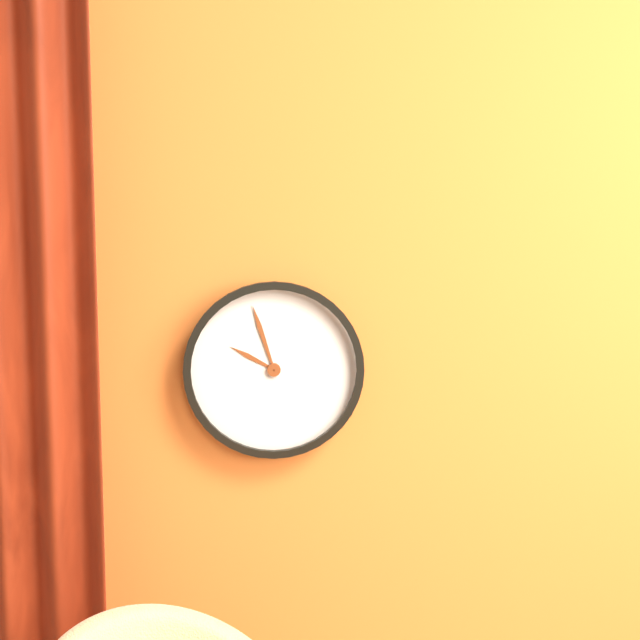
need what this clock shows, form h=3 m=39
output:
h=9 m=57
